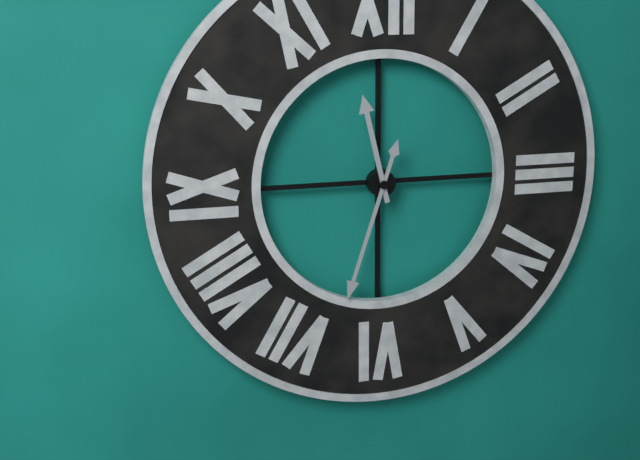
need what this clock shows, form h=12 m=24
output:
h=11 m=33
